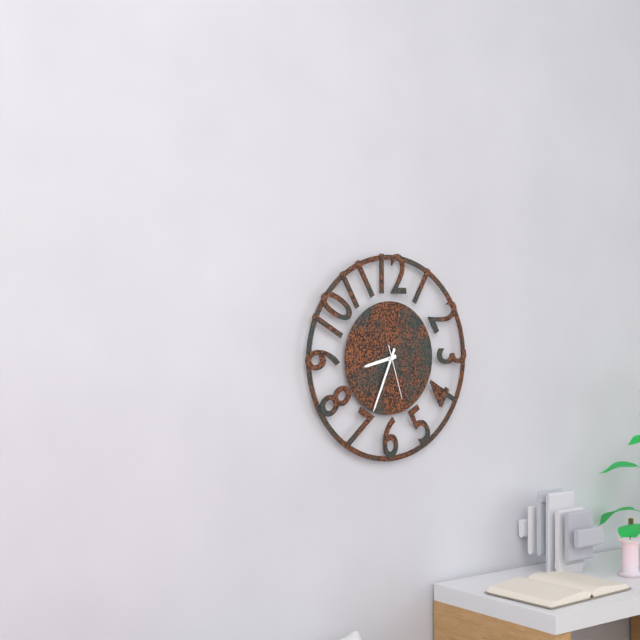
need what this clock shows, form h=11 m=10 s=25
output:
h=8 m=34 s=27
